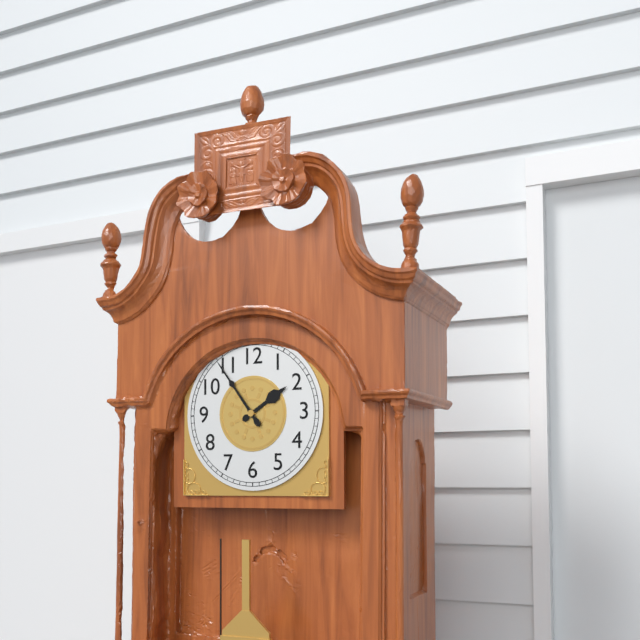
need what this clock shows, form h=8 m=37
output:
h=1 m=54
